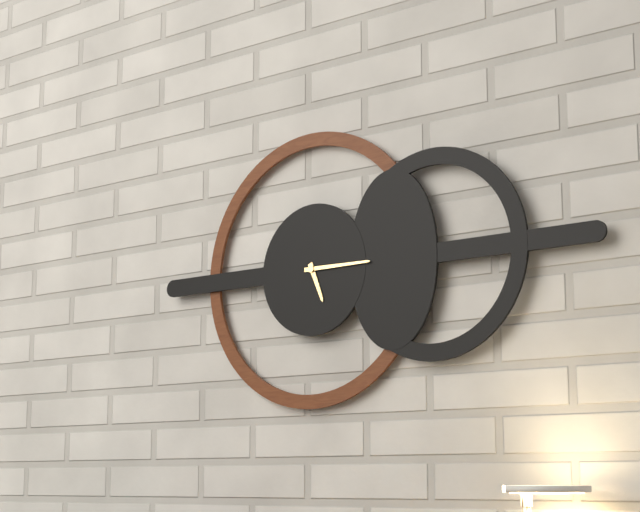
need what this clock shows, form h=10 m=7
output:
h=5 m=15
